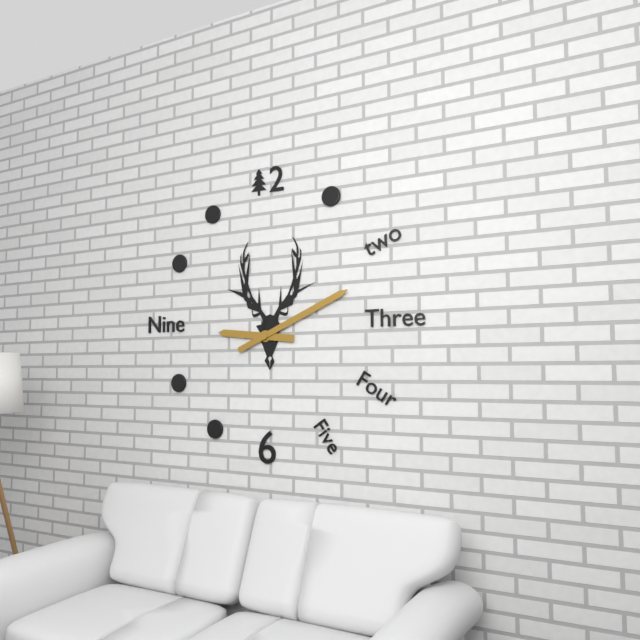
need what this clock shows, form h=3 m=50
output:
h=9 m=11
